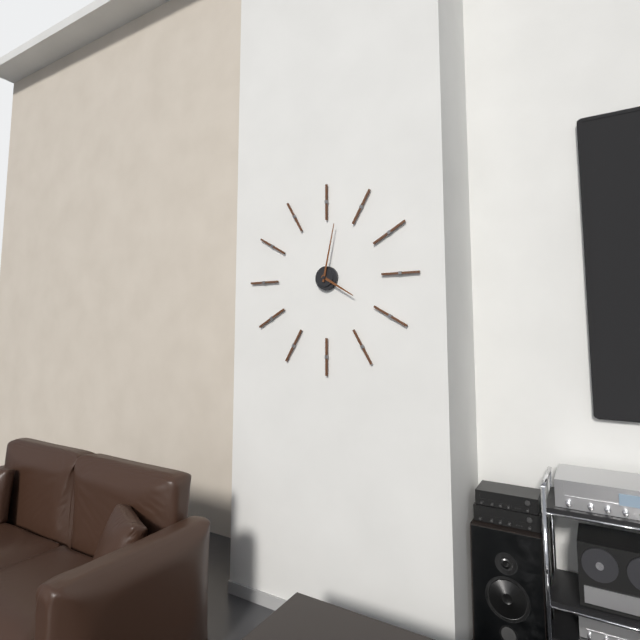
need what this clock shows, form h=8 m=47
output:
h=4 m=2
